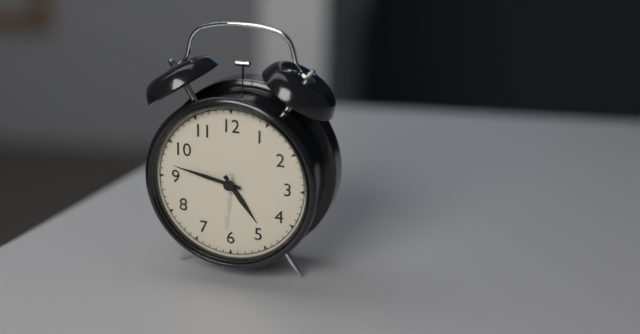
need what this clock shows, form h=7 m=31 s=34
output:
h=4 m=47 s=31
